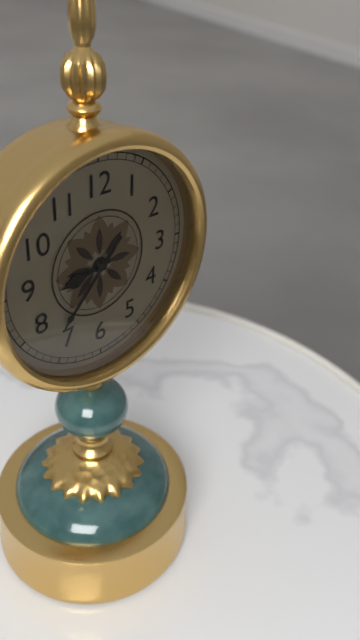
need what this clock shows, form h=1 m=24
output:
h=8 m=37
